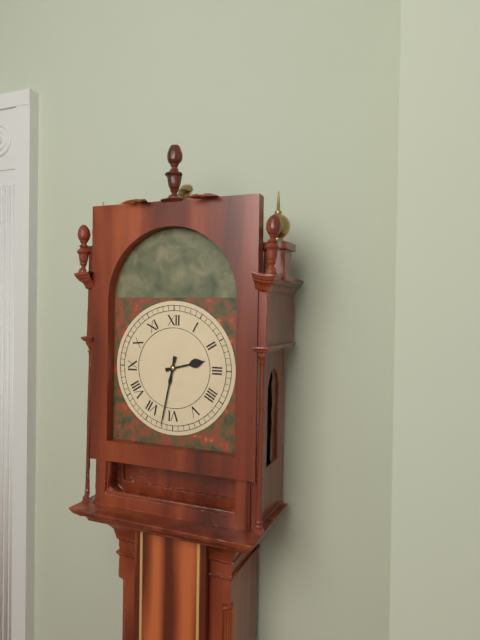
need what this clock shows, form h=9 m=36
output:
h=2 m=32
